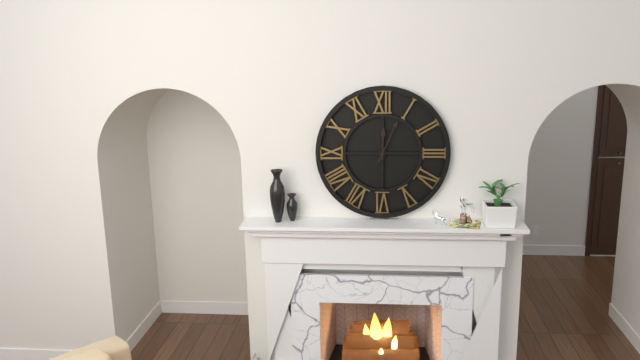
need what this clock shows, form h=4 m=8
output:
h=12 m=4
